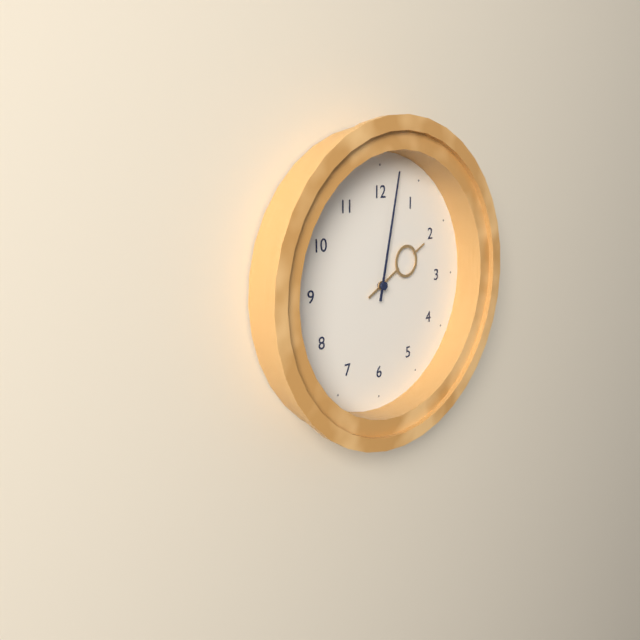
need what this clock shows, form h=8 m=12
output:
h=2 m=2
